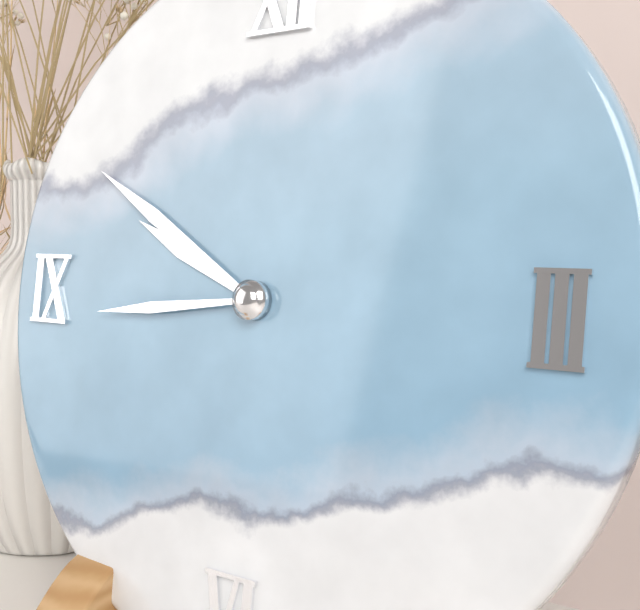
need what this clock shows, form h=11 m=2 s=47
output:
h=9 m=50 s=44
